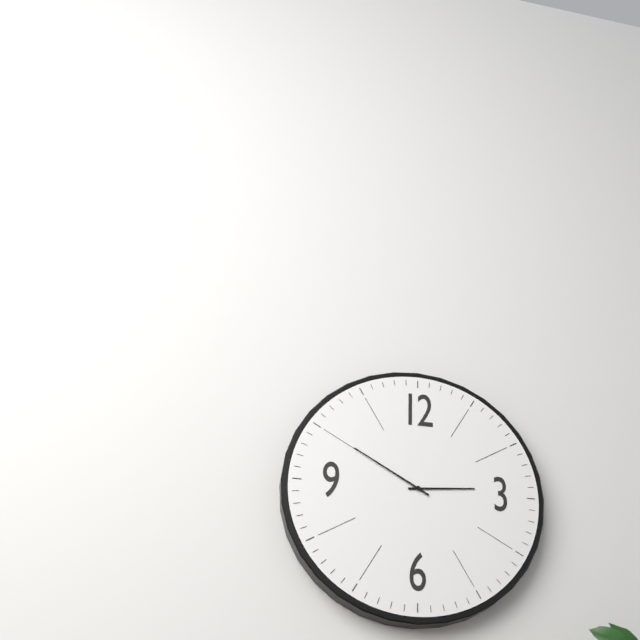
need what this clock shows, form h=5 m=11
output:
h=2 m=50
